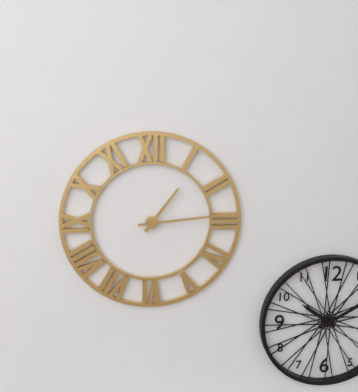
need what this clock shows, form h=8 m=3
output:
h=1 m=14
